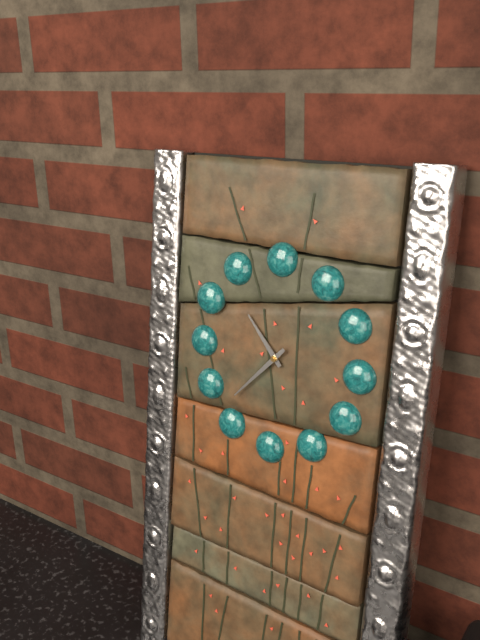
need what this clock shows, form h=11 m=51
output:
h=10 m=37
